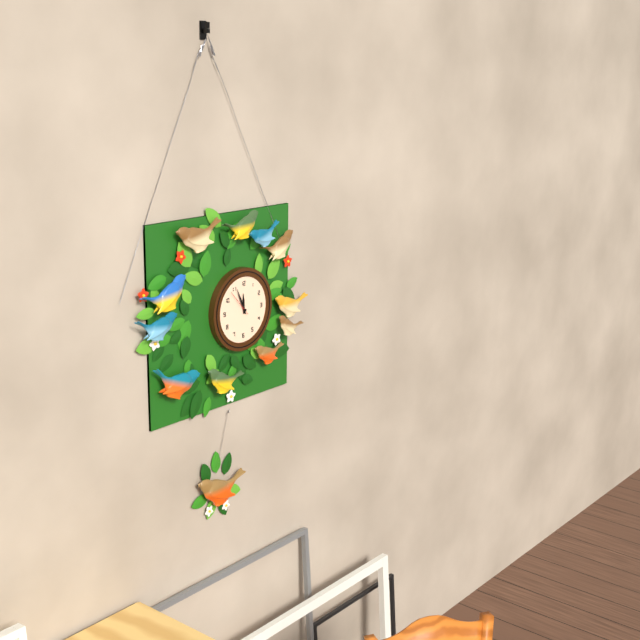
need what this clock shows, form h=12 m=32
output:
h=11 m=56
